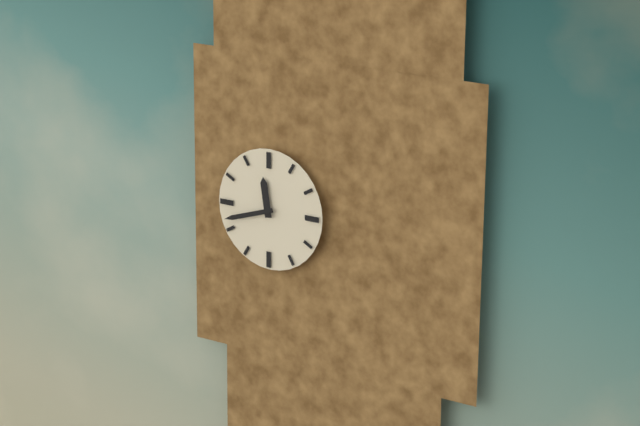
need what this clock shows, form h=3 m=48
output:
h=11 m=42
